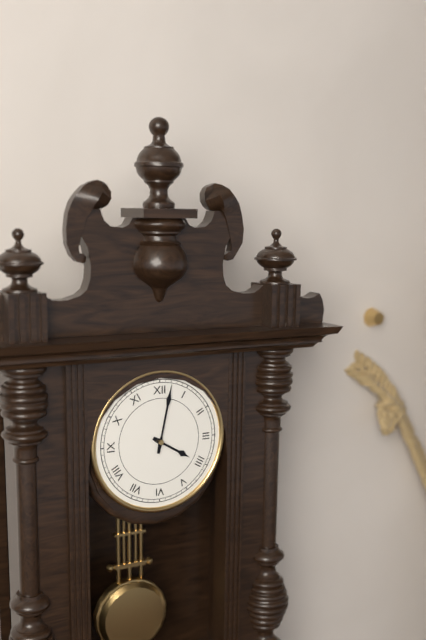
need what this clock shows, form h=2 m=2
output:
h=4 m=2
